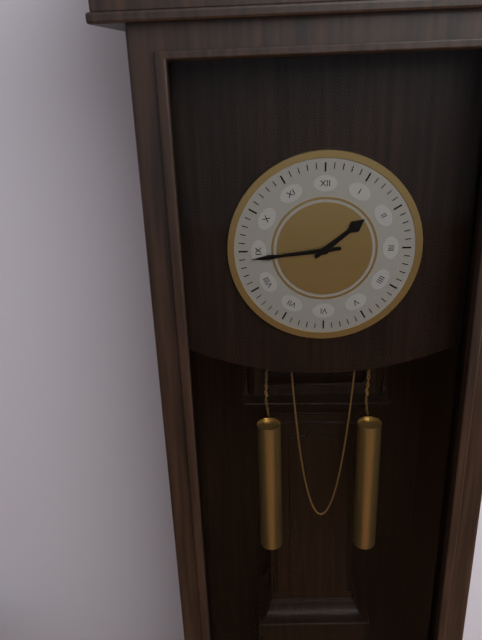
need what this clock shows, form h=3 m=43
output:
h=1 m=44
